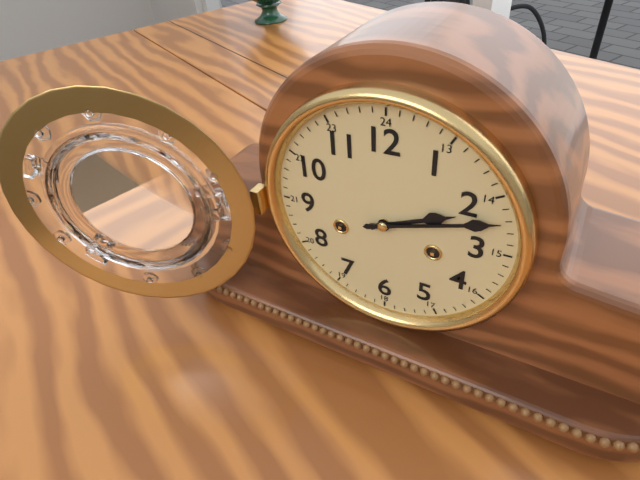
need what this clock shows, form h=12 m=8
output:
h=2 m=12
